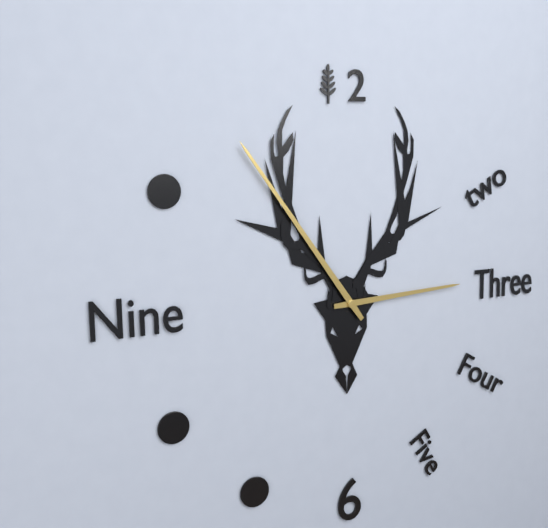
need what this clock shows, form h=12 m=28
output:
h=2 m=54
